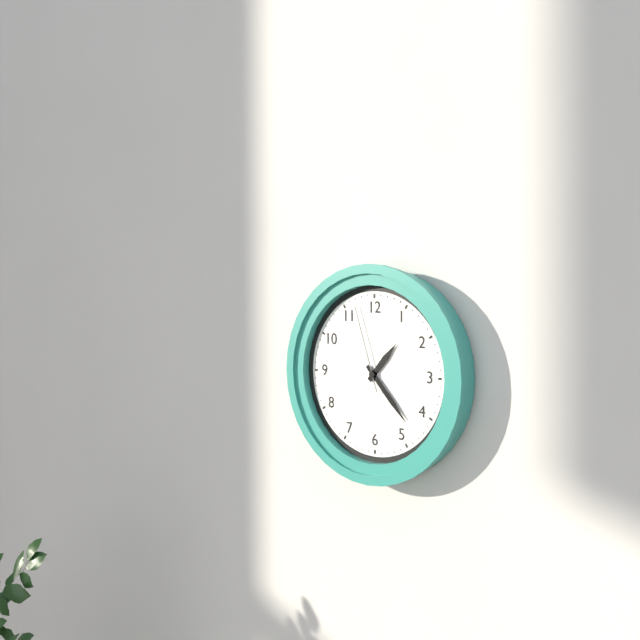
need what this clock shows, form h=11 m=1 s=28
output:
h=1 m=23 s=57
